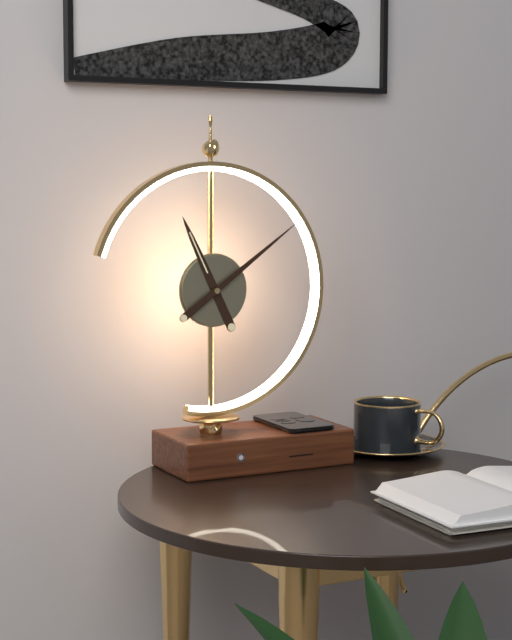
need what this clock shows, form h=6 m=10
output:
h=11 m=9
